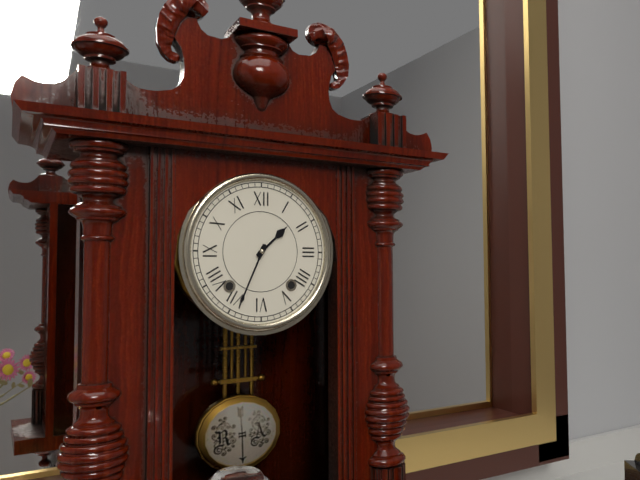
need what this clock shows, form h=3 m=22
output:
h=1 m=34
